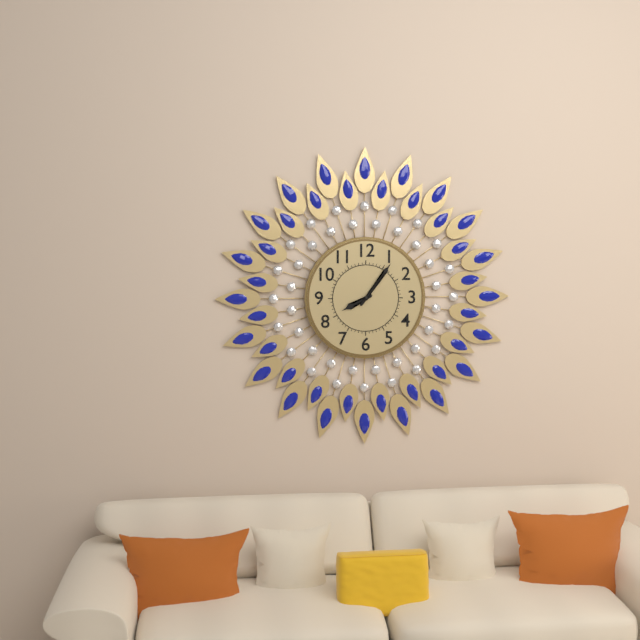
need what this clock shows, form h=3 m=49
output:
h=8 m=6
